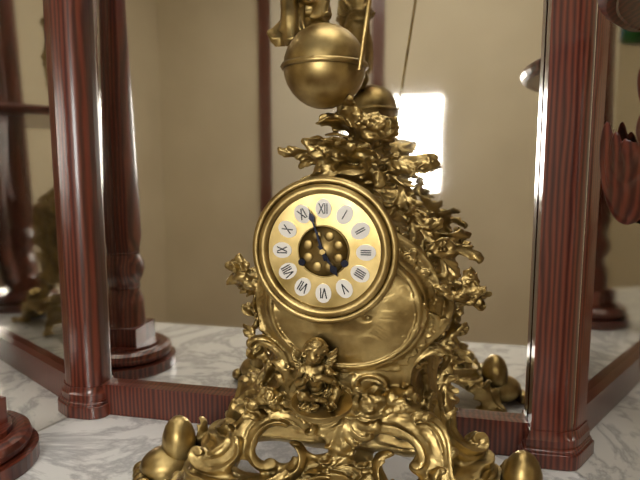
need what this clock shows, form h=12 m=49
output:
h=4 m=57
